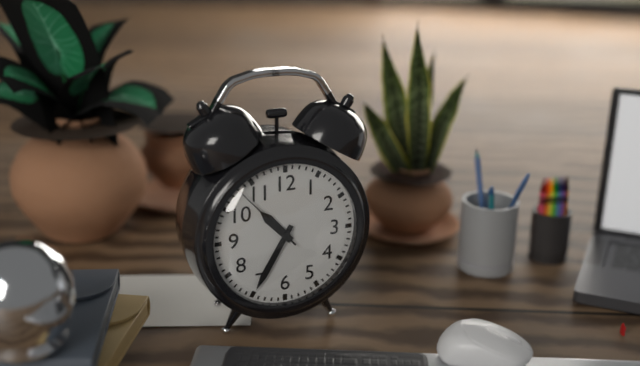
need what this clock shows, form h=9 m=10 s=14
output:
h=10 m=35 s=53
